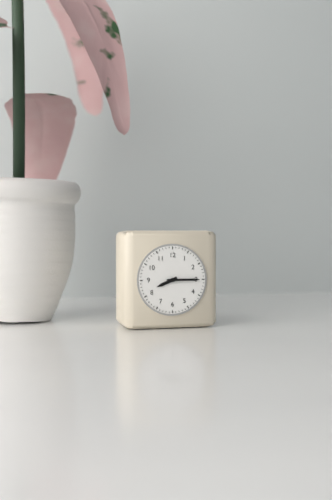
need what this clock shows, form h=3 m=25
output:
h=8 m=15
